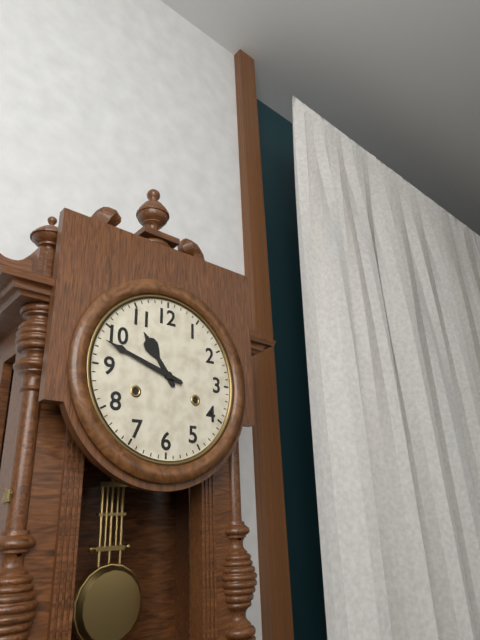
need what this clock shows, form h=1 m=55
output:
h=10 m=48
